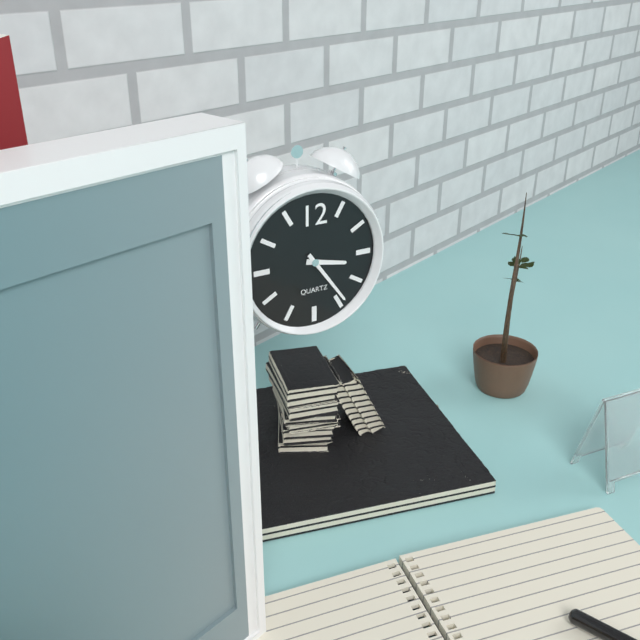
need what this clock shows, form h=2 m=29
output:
h=3 m=24
